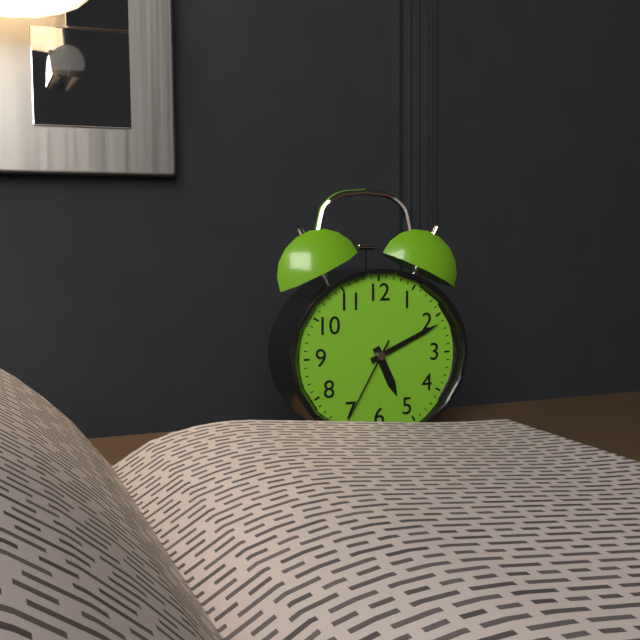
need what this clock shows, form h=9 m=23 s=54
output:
h=5 m=11 s=35
